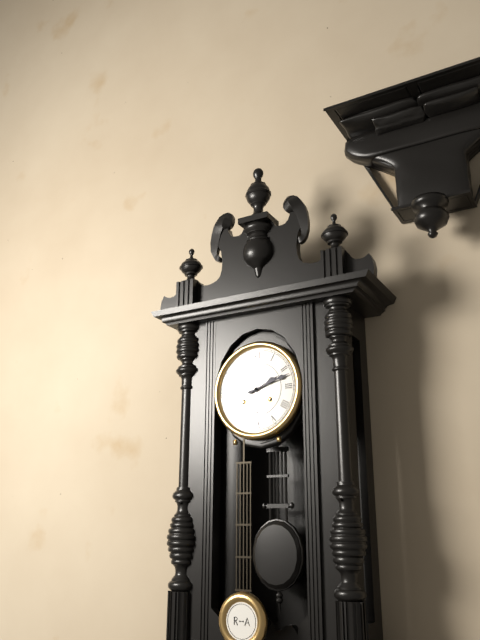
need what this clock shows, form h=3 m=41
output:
h=2 m=12
